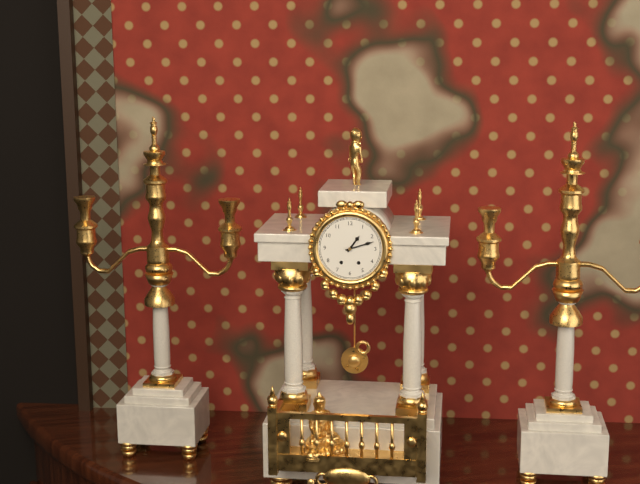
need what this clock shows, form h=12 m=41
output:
h=1 m=12
